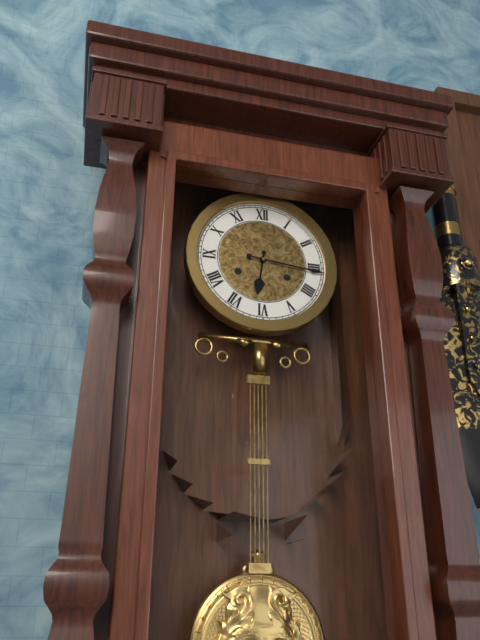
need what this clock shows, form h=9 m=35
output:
h=6 m=16
